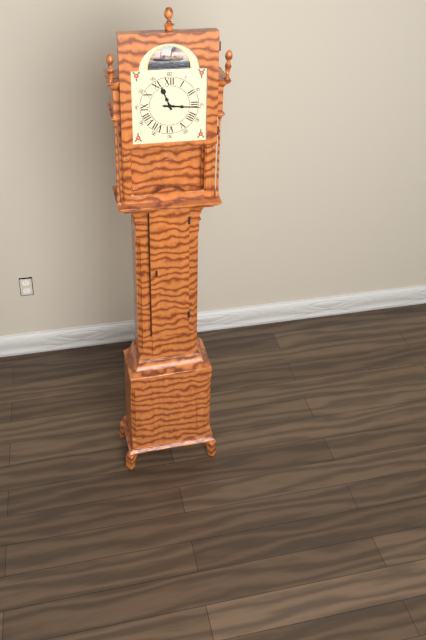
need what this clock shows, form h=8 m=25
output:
h=11 m=16
